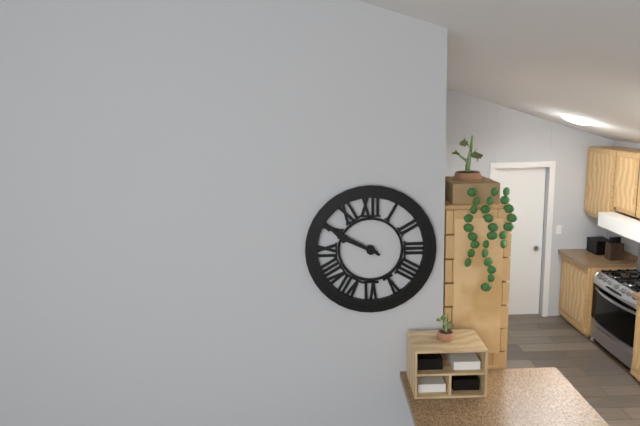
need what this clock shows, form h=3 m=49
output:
h=9 m=50
